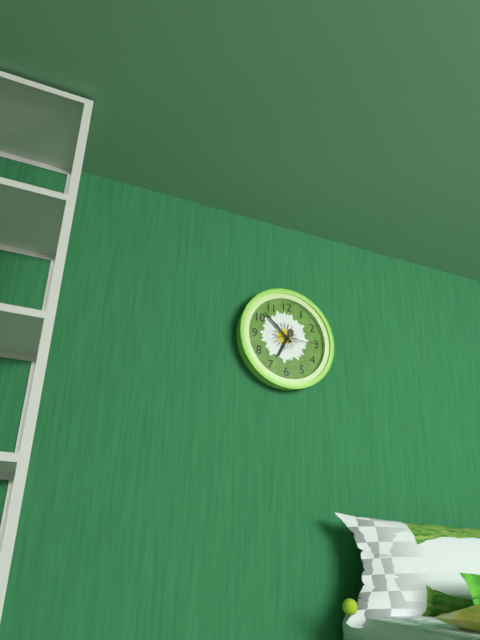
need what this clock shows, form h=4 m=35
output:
h=6 m=52
